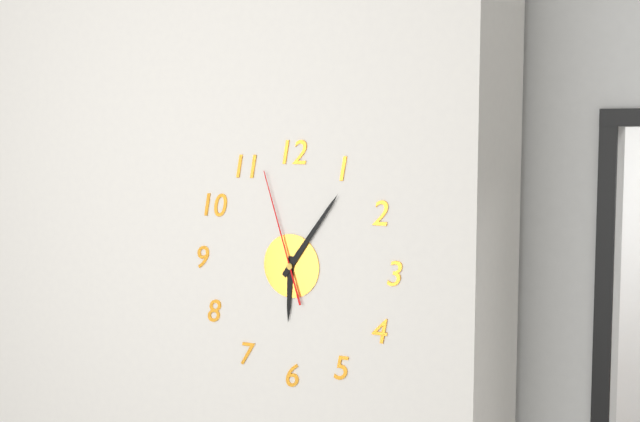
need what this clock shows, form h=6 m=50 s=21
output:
h=6 m=6 s=57
